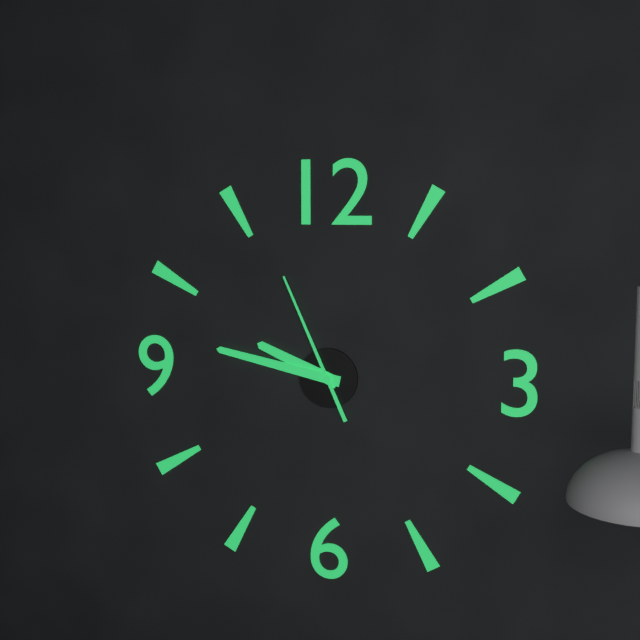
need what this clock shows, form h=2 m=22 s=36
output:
h=9 m=47 s=56
